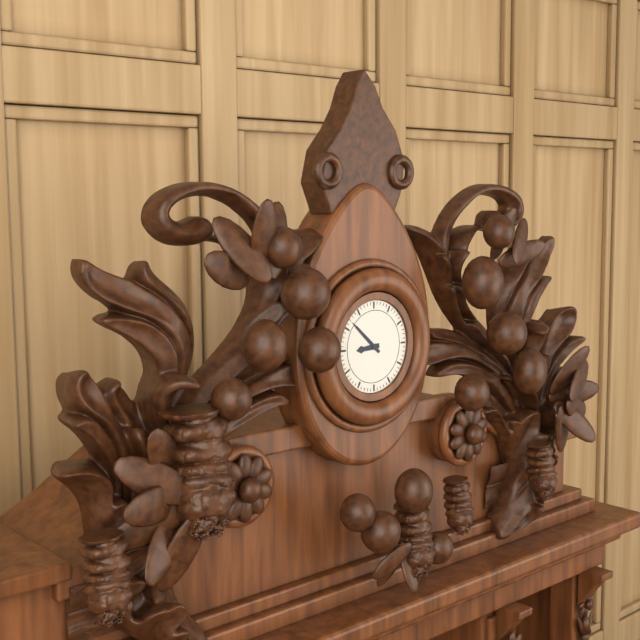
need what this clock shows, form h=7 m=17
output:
h=8 m=52
